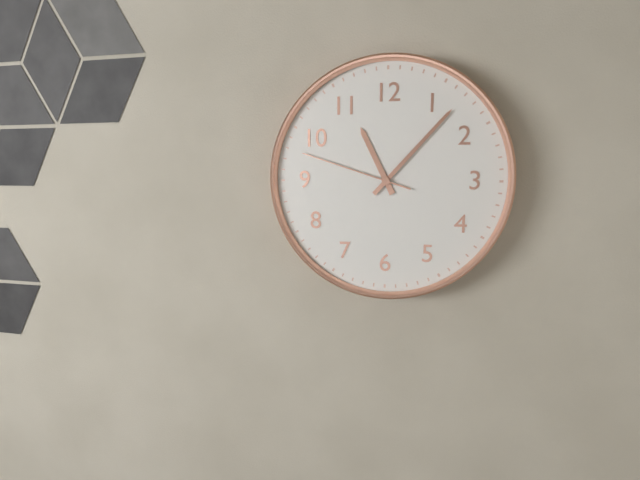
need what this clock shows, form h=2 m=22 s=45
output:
h=11 m=7 s=48
